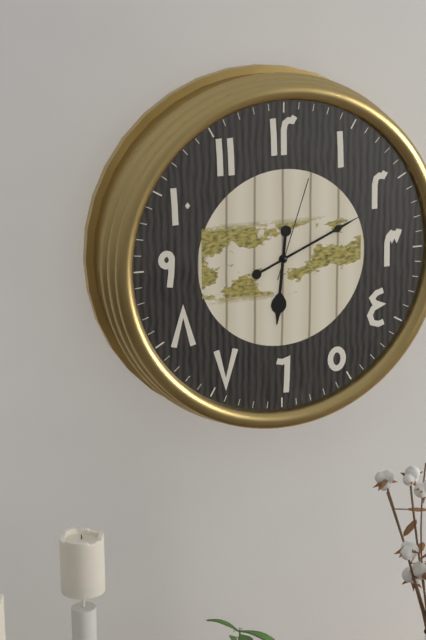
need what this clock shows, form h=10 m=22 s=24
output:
h=6 m=11 s=3
